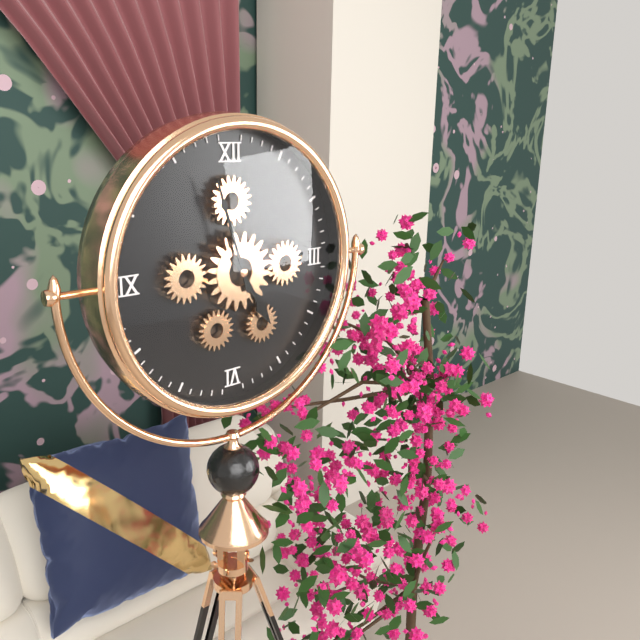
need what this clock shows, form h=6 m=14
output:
h=4 m=57
